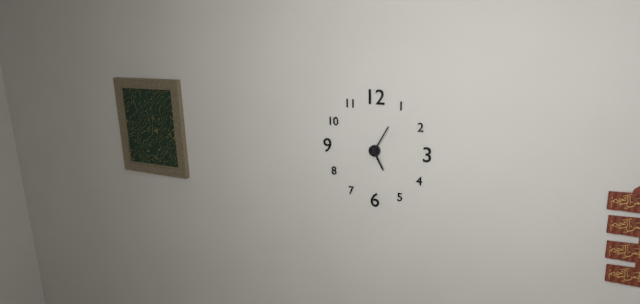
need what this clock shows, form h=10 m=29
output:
h=5 m=5
